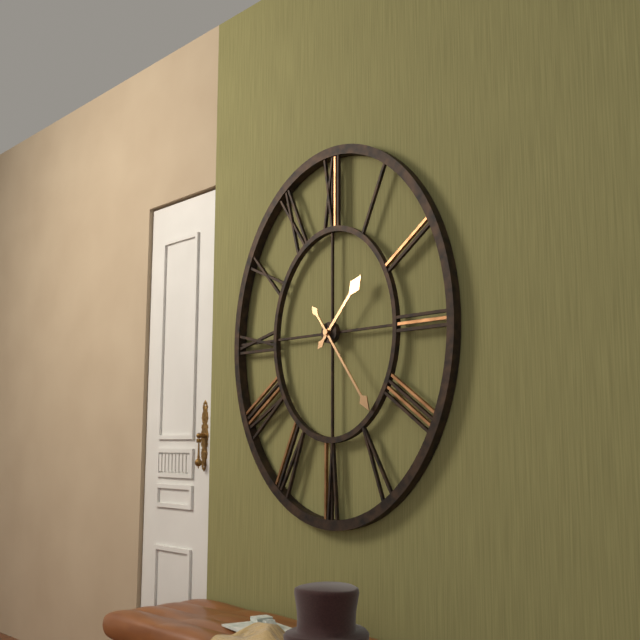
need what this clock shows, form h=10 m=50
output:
h=1 m=24
